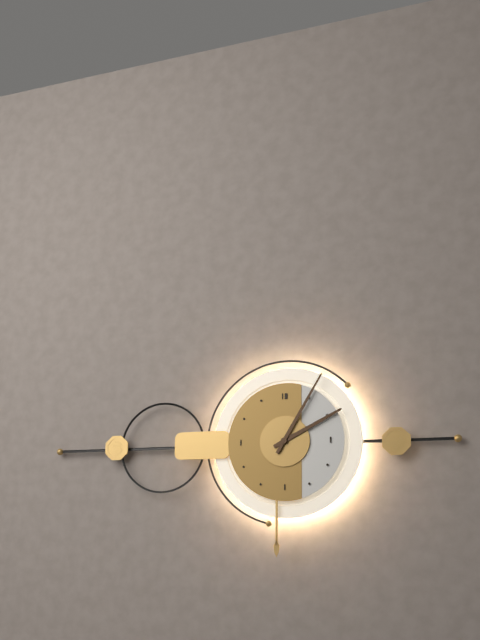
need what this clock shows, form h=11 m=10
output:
h=2 m=5
